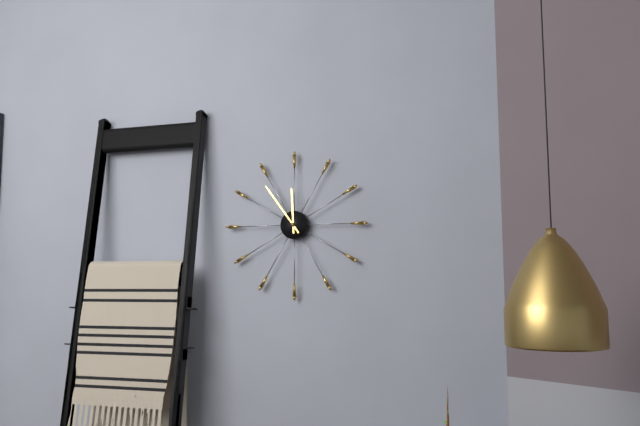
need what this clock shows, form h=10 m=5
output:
h=11 m=54
